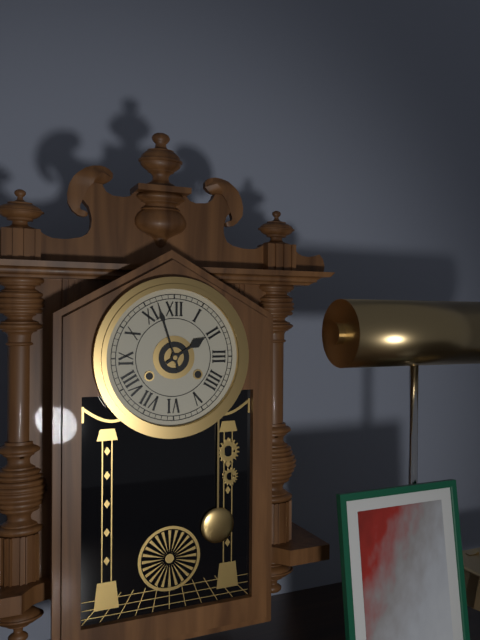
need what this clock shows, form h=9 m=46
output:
h=1 m=57
